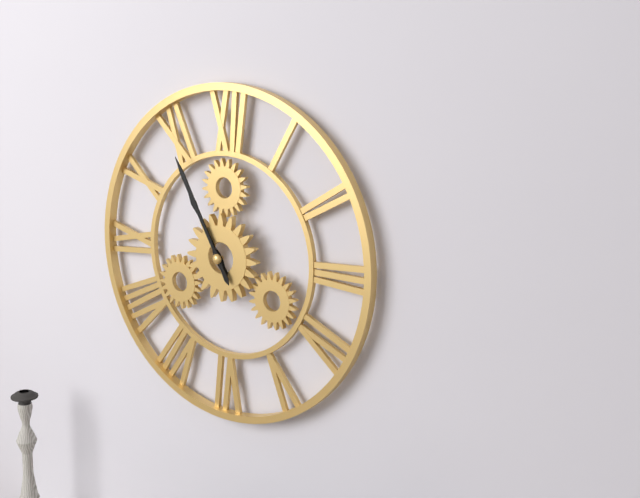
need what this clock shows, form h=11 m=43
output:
h=10 m=55
